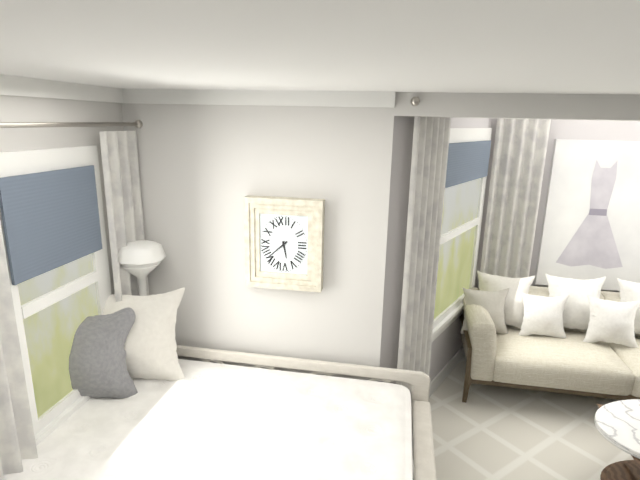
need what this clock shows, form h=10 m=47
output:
h=5 m=38
